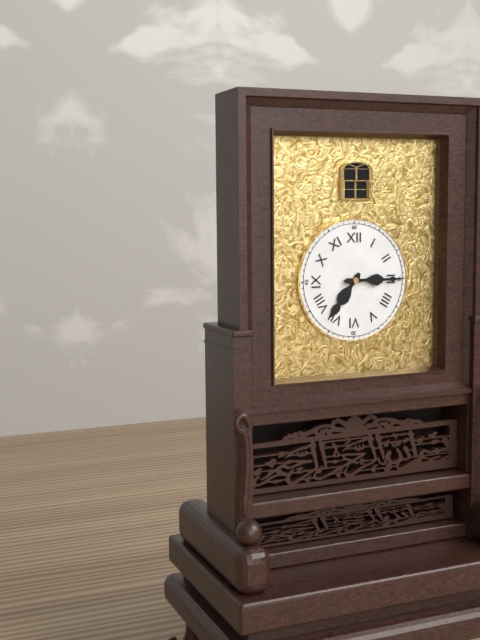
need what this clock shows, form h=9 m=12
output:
h=7 m=15
